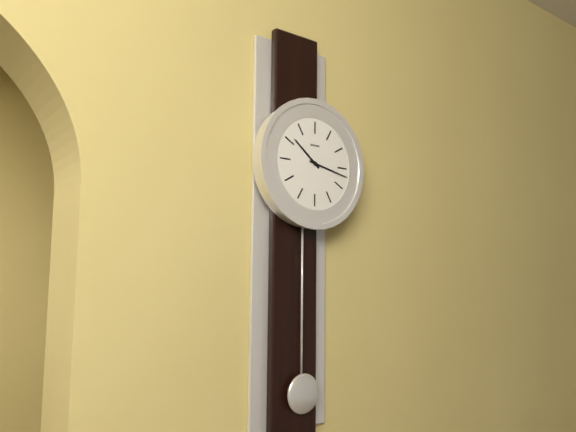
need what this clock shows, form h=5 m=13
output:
h=10 m=17
